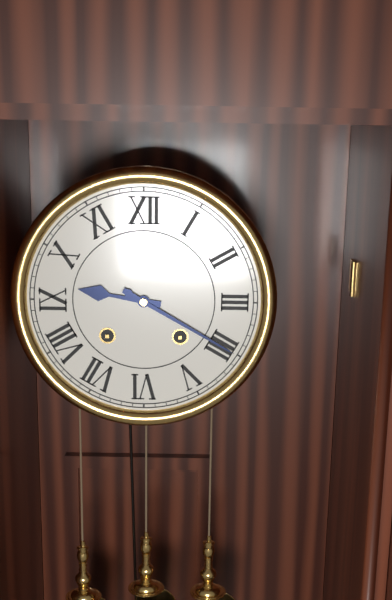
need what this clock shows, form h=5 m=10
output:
h=9 m=20
